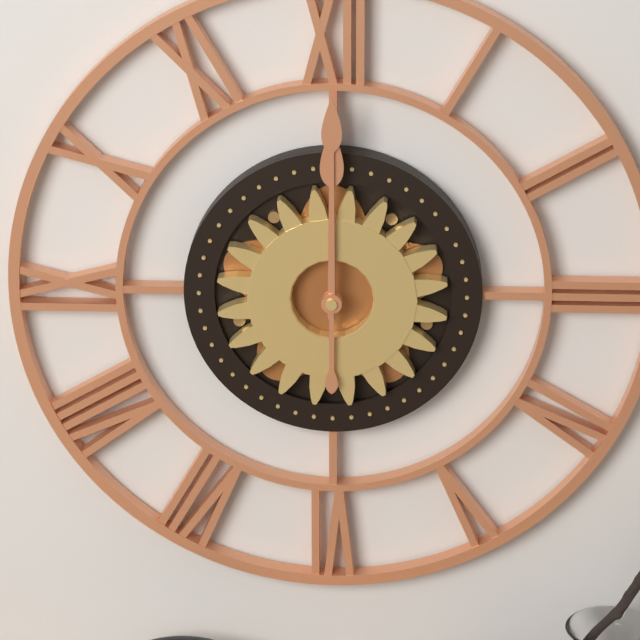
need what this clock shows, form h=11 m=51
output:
h=12 m=0
